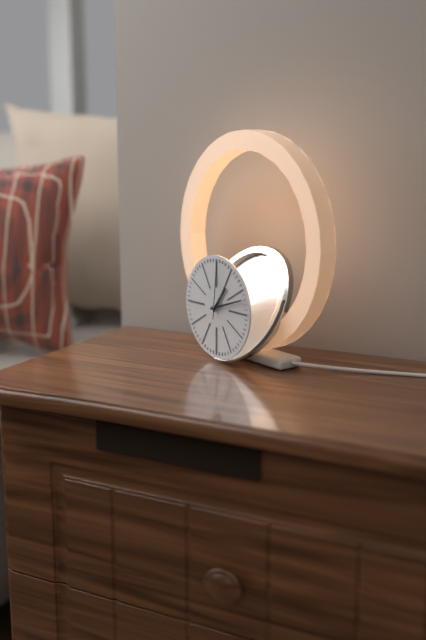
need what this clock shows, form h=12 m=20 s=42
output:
h=1 m=12 s=1
